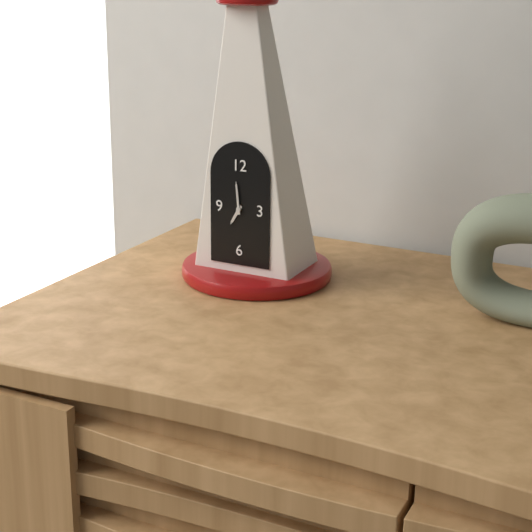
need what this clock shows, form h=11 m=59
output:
h=6 m=59
